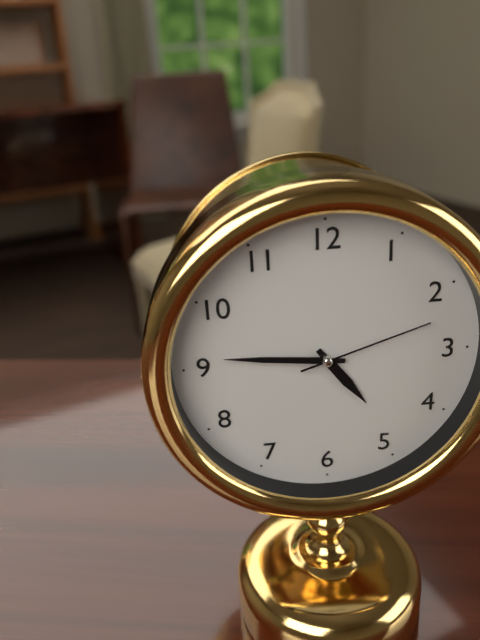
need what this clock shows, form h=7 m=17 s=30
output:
h=4 m=46 s=12
